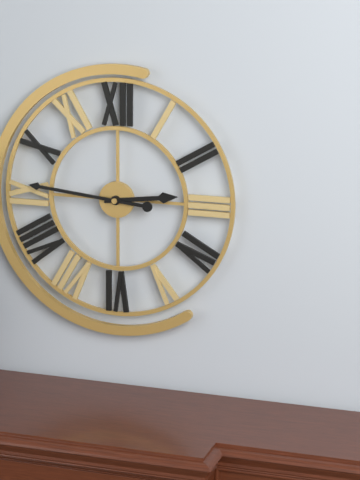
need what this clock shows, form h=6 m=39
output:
h=2 m=46
